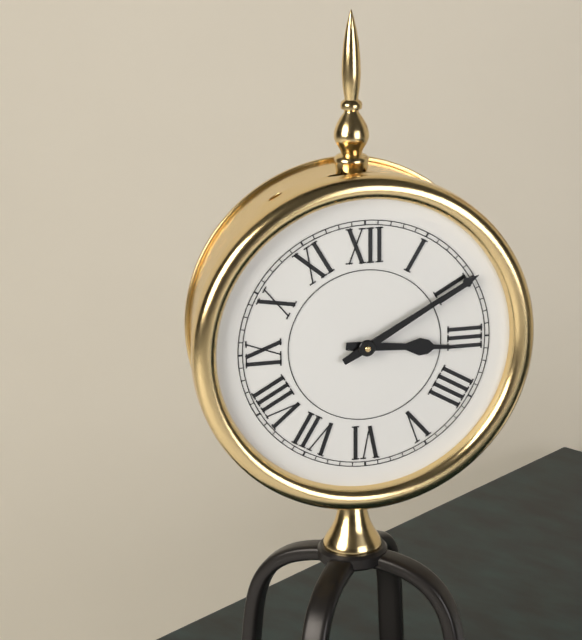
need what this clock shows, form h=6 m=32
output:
h=3 m=10
